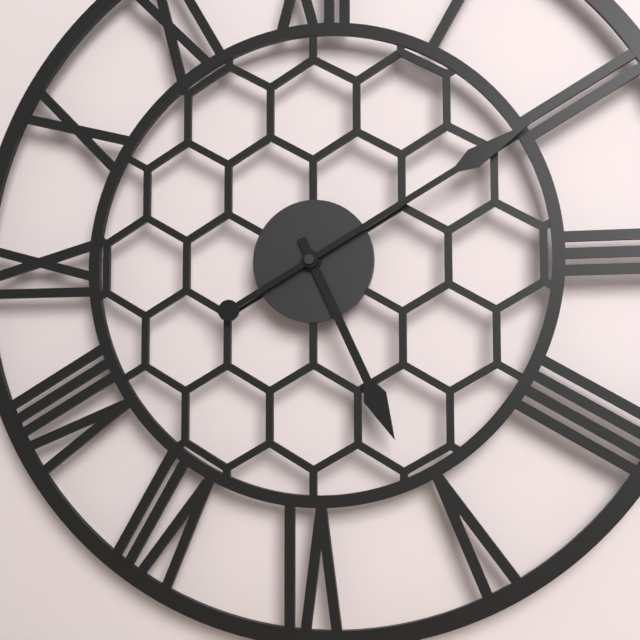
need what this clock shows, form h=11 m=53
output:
h=5 m=10
